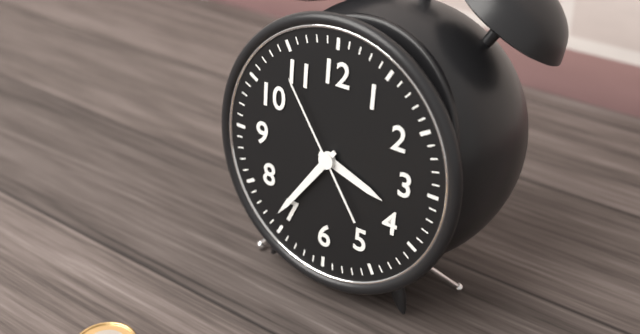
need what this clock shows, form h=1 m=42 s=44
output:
h=3 m=36 s=54
